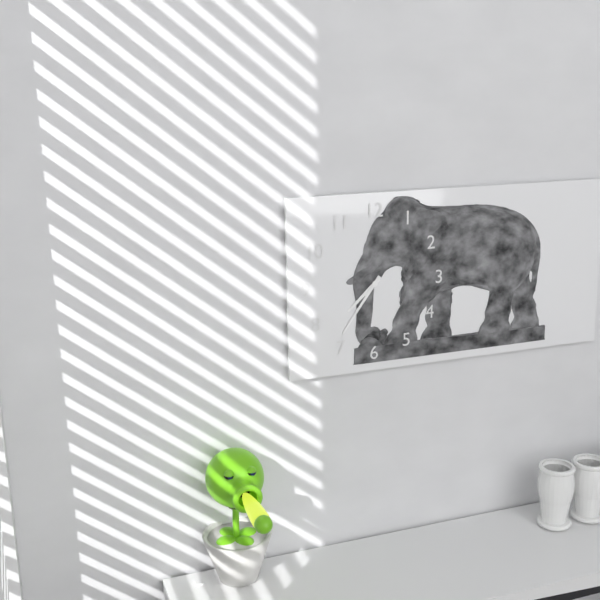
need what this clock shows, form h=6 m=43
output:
h=7 m=36
